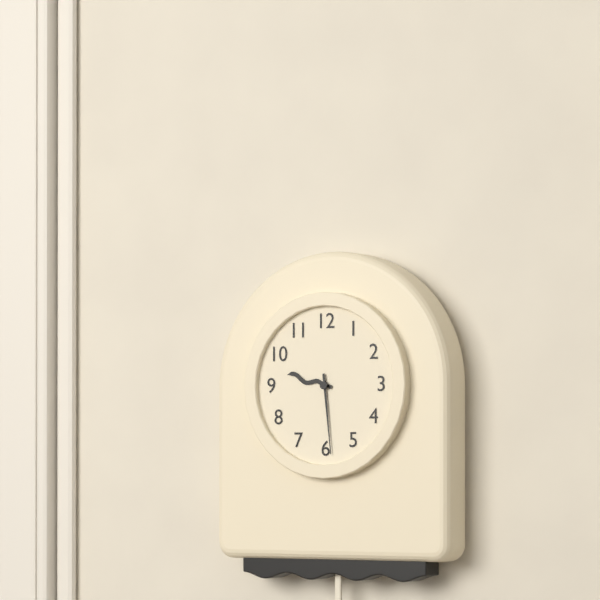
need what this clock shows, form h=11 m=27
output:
h=9 m=29
